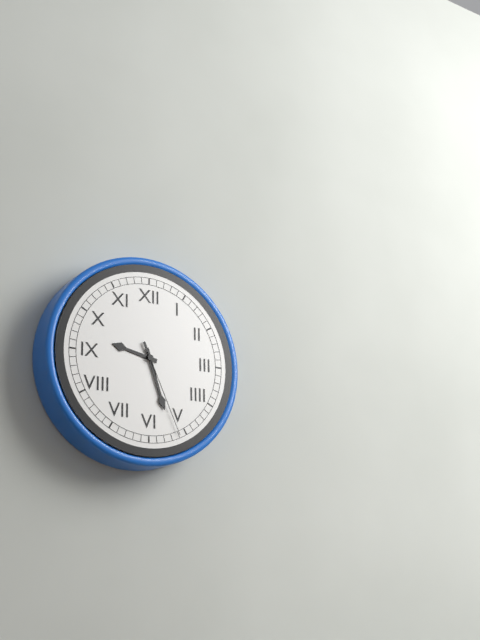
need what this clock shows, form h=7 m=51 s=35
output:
h=9 m=27 s=26
